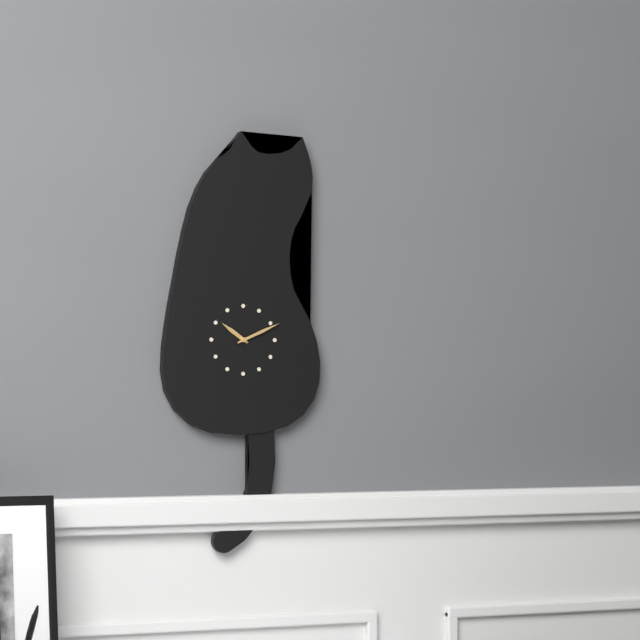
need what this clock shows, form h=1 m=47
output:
h=10 m=11
